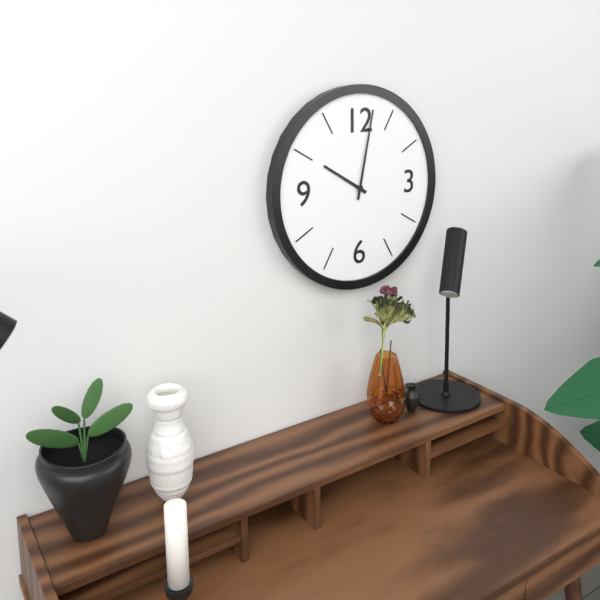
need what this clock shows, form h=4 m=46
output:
h=10 m=2
